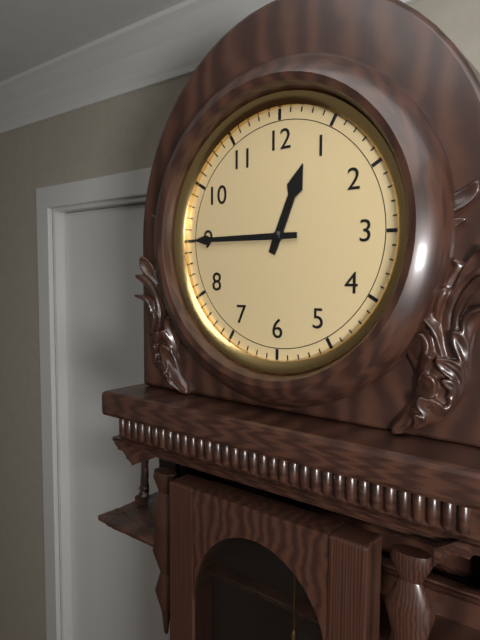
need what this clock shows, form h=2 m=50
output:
h=12 m=45
